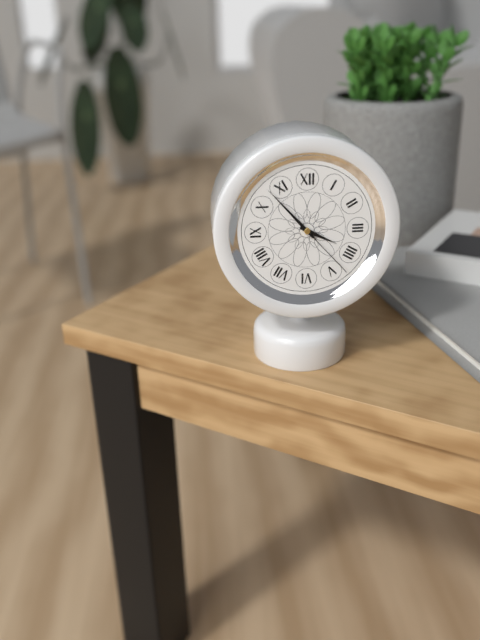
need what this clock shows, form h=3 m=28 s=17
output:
h=3 m=53 s=23
